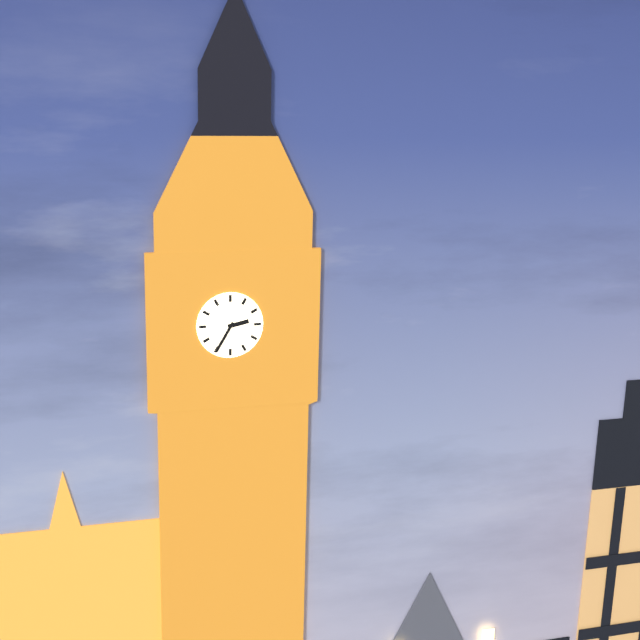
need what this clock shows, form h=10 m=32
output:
h=2 m=35
